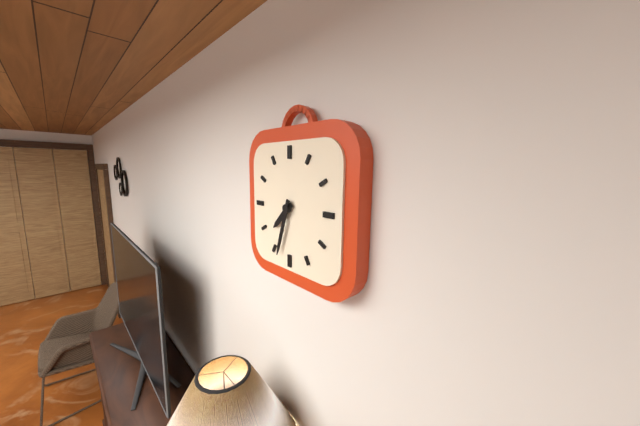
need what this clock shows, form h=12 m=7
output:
h=7 m=33
